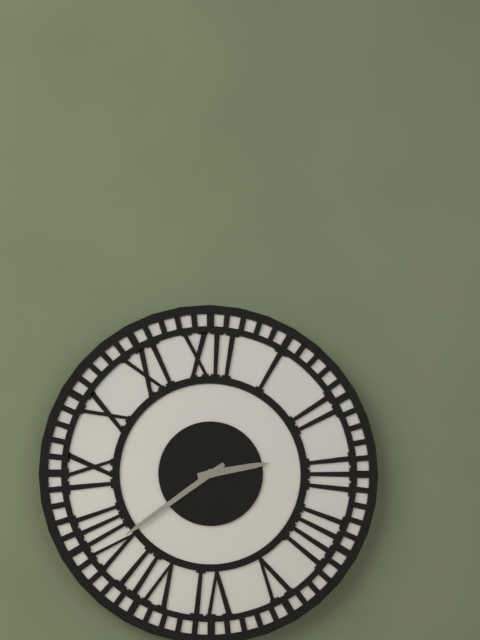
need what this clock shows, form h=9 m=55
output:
h=2 m=39
